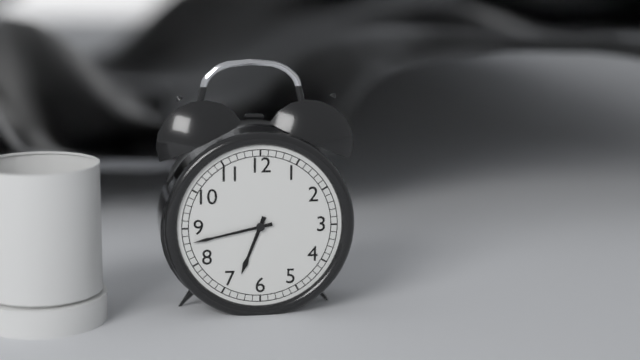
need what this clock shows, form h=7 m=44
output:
h=6 m=43
